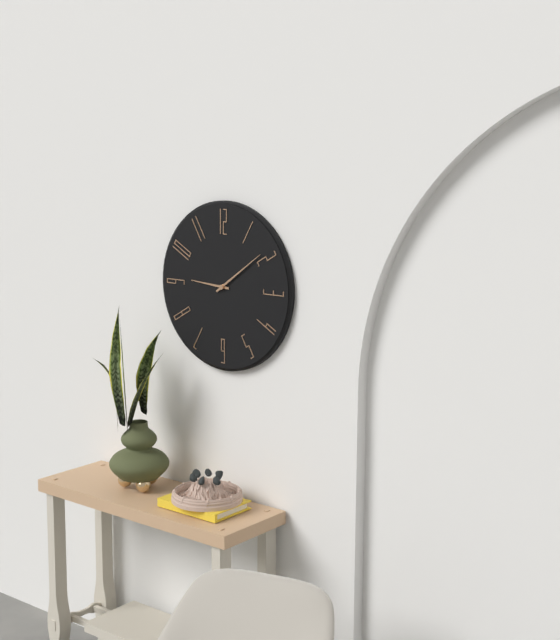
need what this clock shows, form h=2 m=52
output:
h=9 m=9
